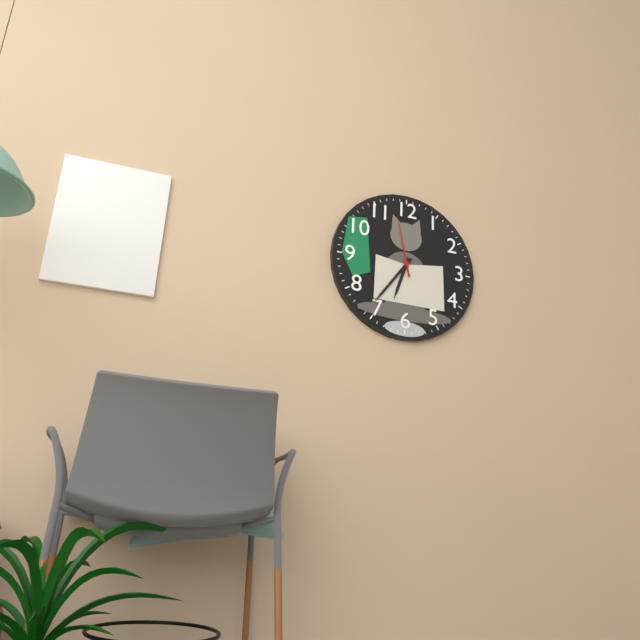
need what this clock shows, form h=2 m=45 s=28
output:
h=6 m=36 s=58
